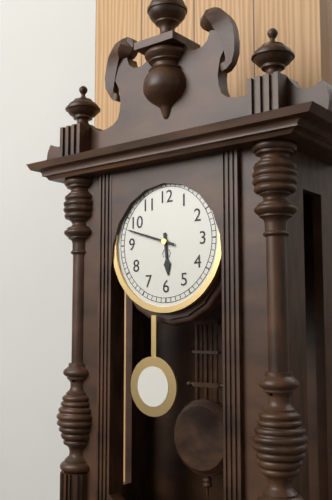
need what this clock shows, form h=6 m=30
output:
h=5 m=48
